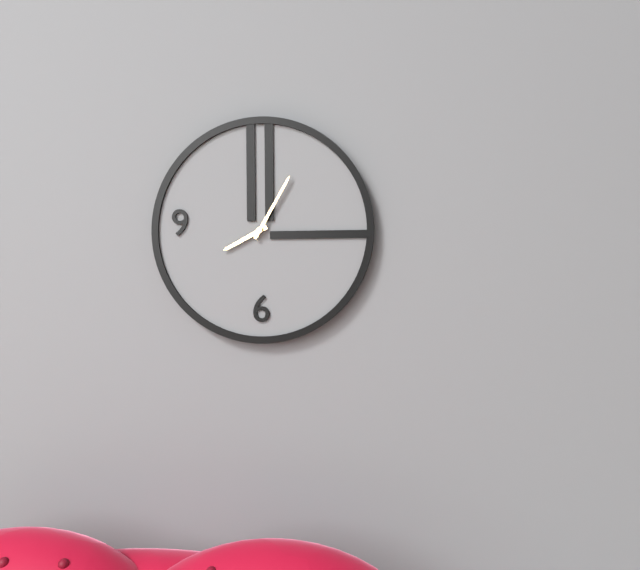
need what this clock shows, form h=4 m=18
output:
h=8 m=5
